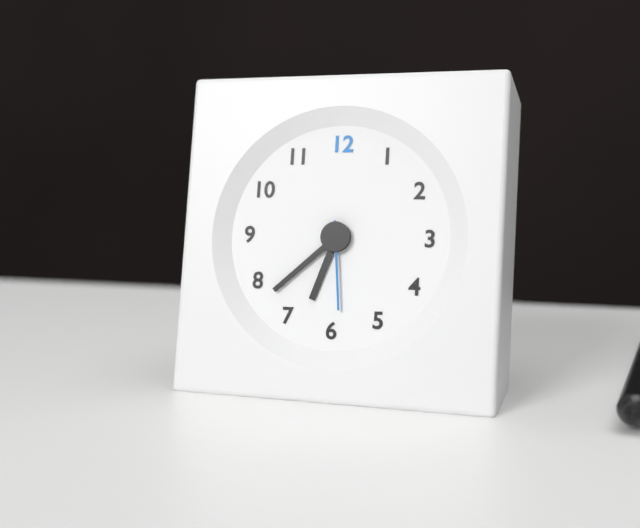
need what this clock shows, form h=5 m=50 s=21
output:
h=6 m=38 s=29
